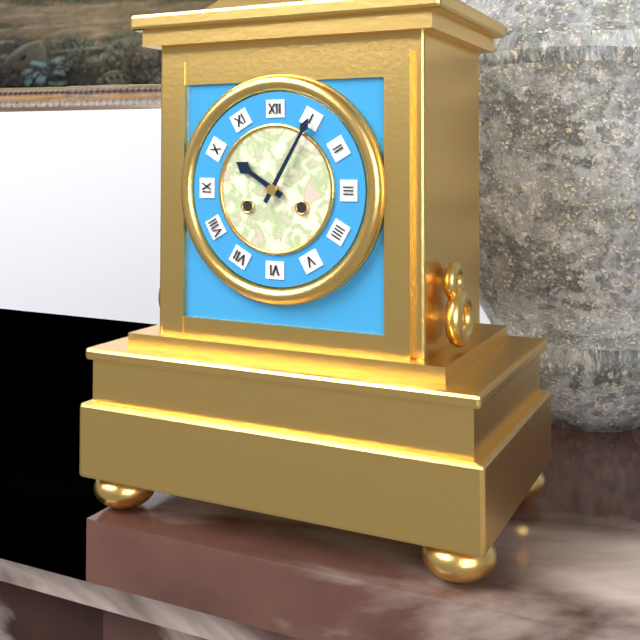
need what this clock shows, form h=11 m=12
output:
h=10 m=5
